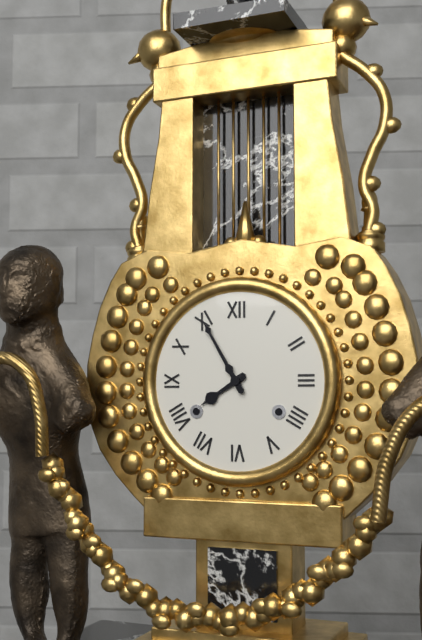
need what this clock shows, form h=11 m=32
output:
h=7 m=55
